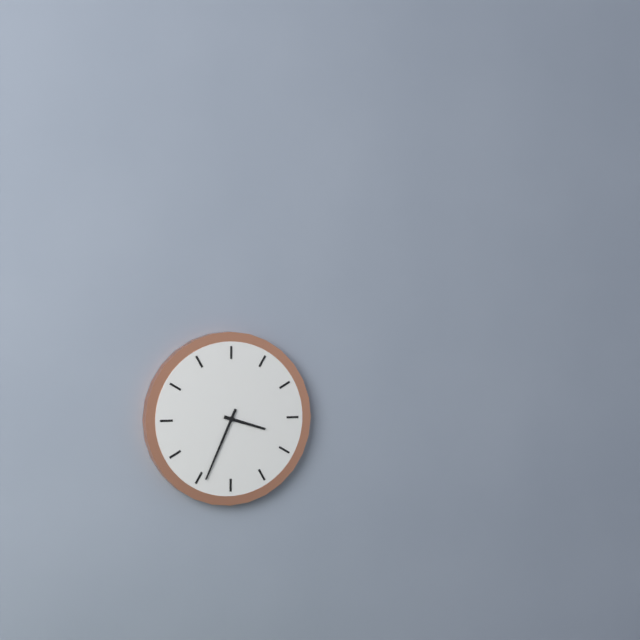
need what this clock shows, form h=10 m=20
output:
h=3 m=34
